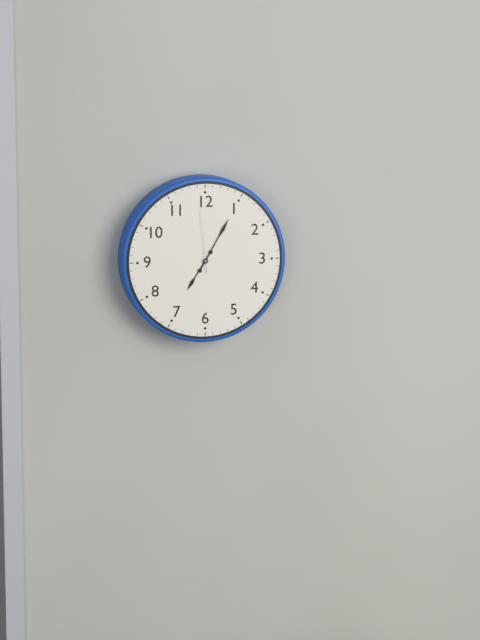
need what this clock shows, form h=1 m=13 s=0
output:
h=7 m=5 s=59
